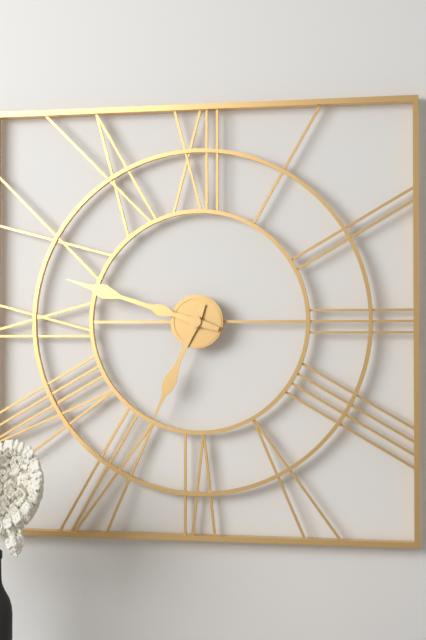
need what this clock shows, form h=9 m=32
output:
h=6 m=48
